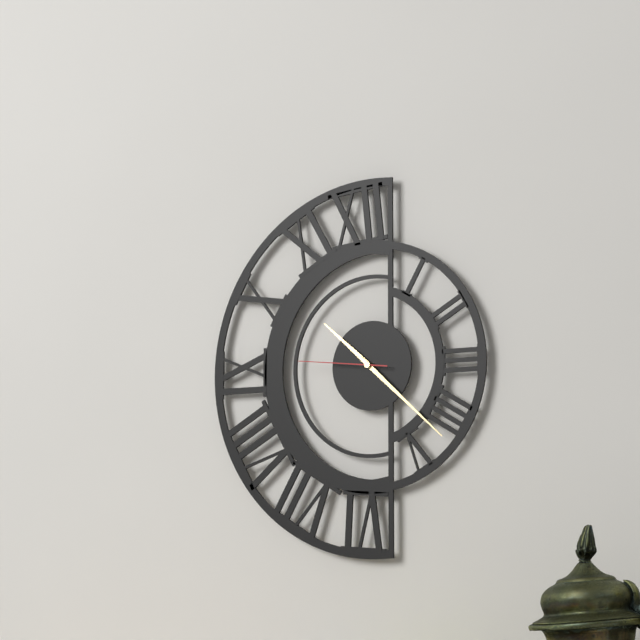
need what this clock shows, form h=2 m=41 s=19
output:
h=10 m=22 s=46
